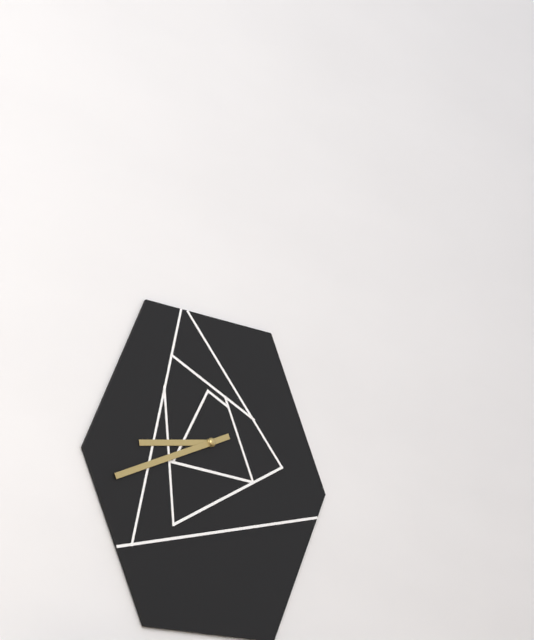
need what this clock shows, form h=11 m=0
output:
h=8 m=41
